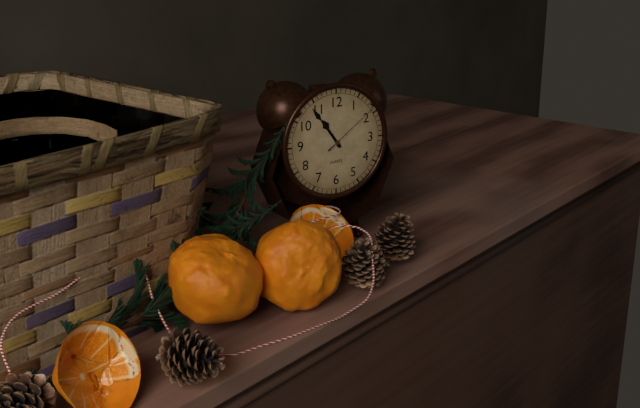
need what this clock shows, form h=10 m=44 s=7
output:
h=10 m=54 s=9
